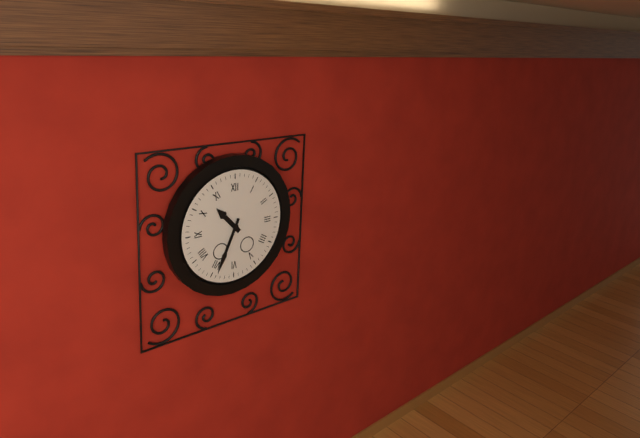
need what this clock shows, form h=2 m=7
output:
h=10 m=34
